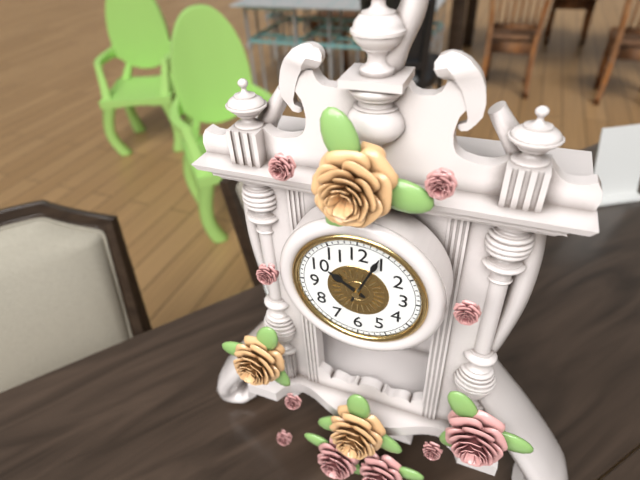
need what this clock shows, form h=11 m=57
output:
h=10 m=4
